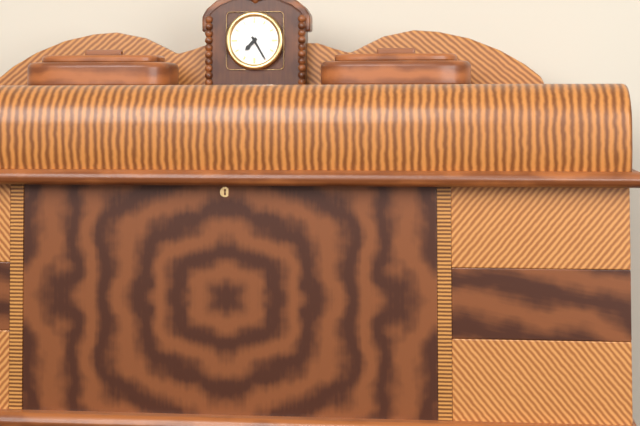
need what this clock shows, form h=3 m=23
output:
h=7 m=25
